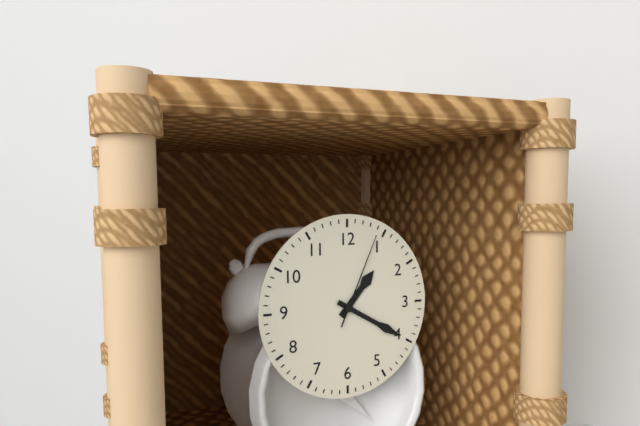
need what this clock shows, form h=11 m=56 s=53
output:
h=1 m=20 s=4
